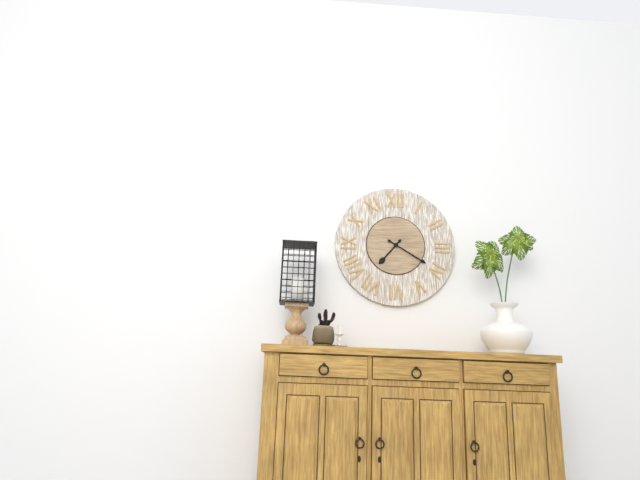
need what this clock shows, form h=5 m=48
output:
h=7 m=20
